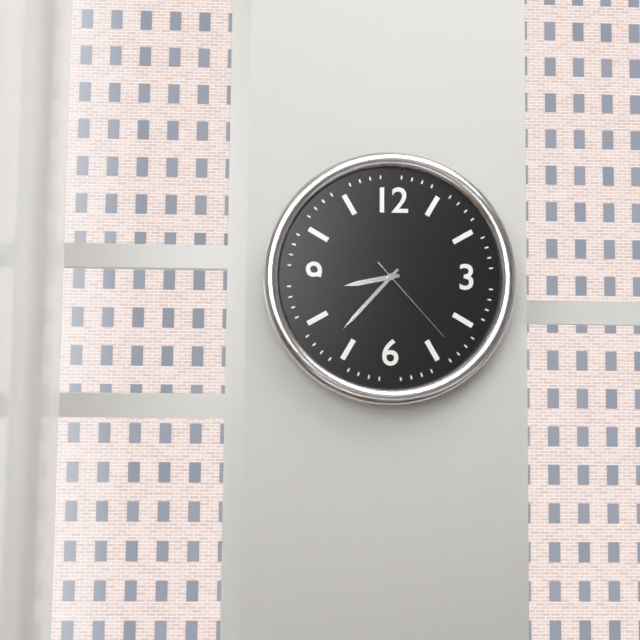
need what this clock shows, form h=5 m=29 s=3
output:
h=8 m=37 s=23
